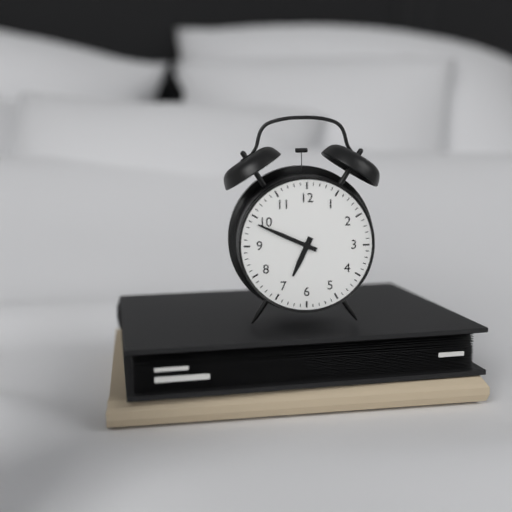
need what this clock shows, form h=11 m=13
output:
h=6 m=49
